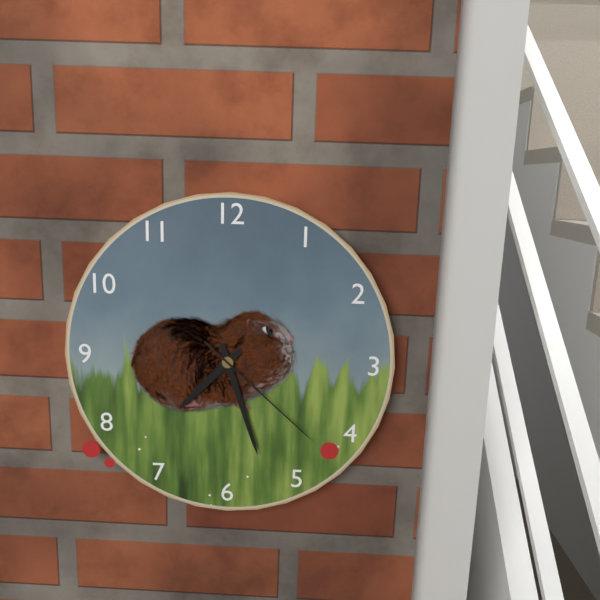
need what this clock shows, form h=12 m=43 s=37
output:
h=7 m=27 s=22
